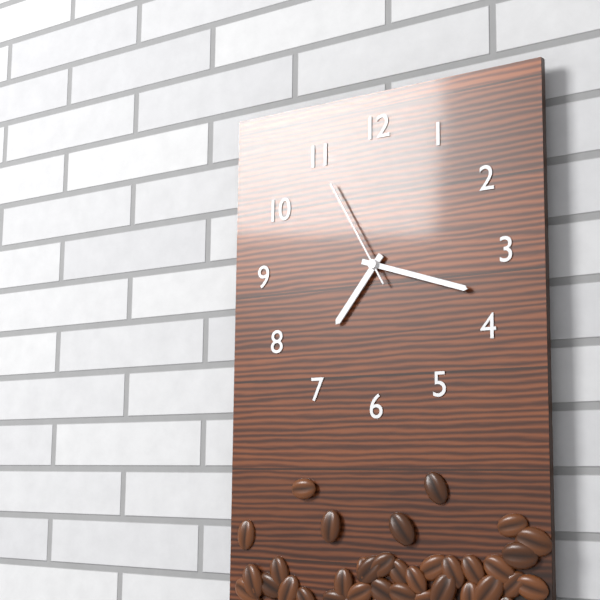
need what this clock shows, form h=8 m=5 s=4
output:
h=7 m=18 s=55
